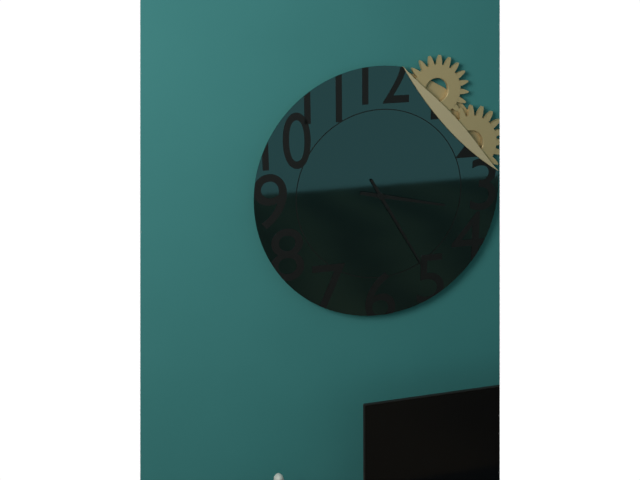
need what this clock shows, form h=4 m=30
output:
h=3 m=25
